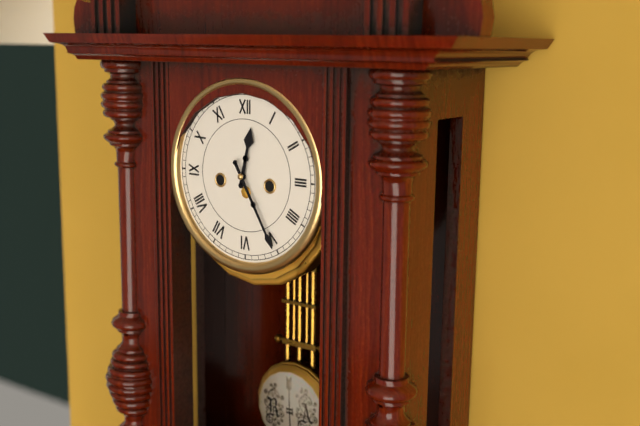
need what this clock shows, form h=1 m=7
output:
h=12 m=25
